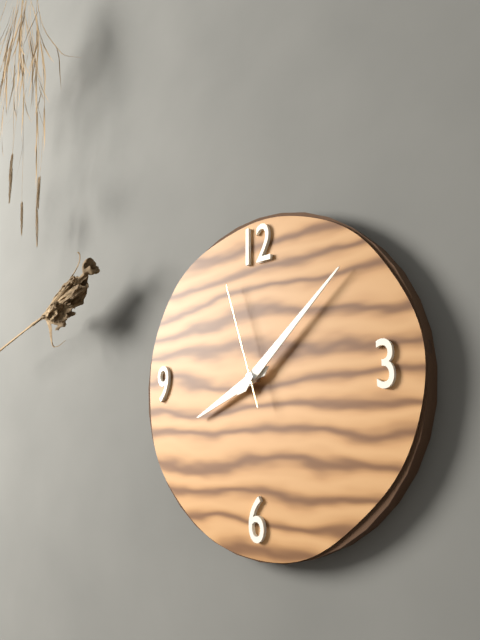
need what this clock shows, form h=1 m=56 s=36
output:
h=8 m=8 s=57
